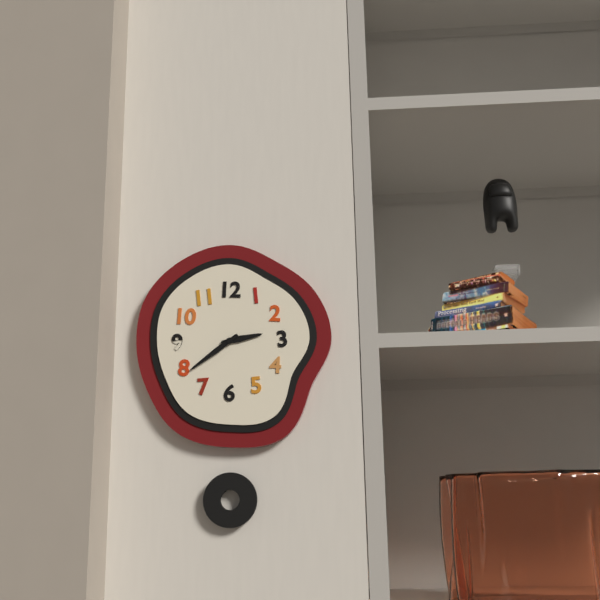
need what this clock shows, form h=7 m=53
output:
h=2 m=39
